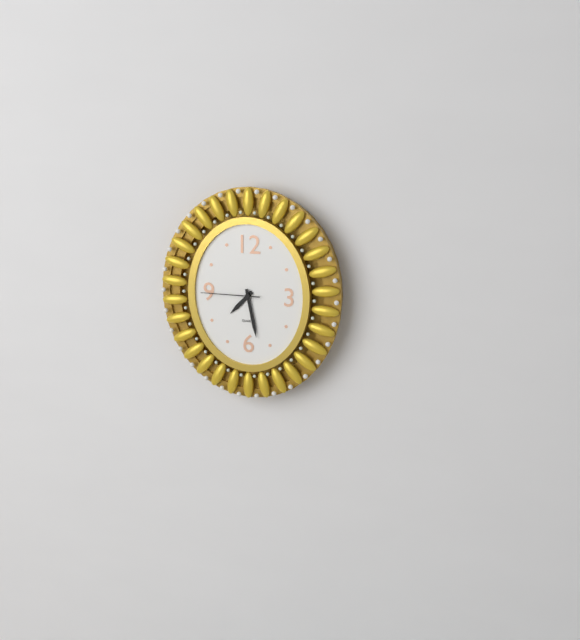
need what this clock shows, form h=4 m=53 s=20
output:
h=7 m=28 s=45
